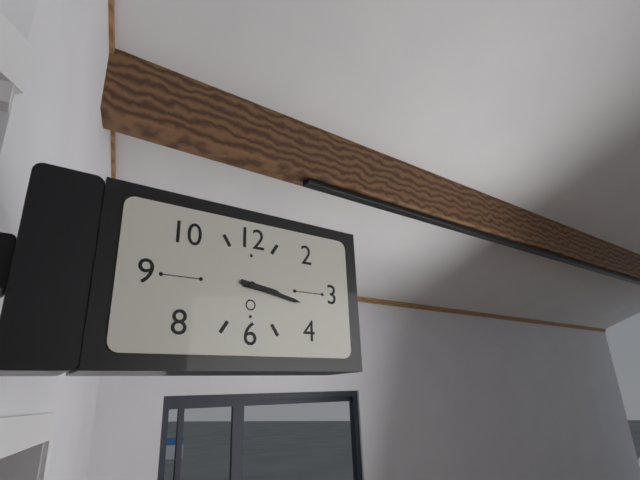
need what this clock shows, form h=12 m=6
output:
h=3 m=17
